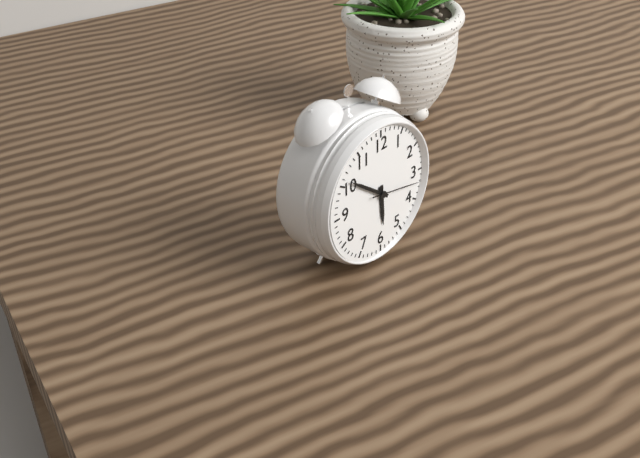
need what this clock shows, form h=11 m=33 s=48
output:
h=5 m=51 s=17
